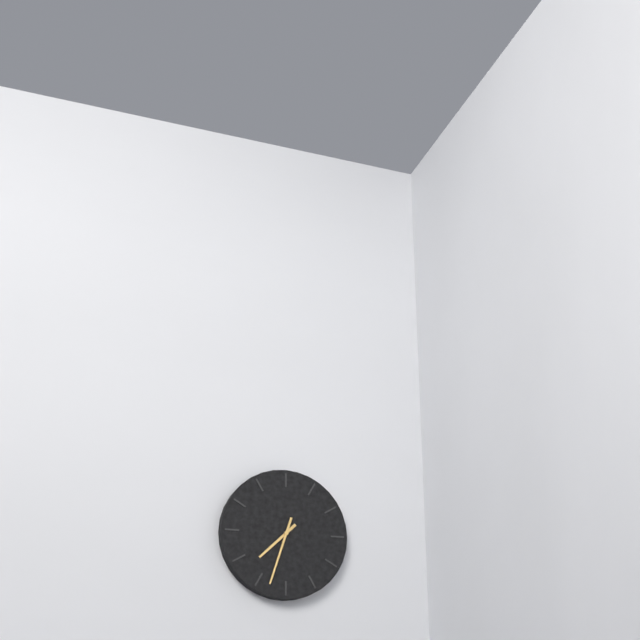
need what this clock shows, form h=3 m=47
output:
h=7 m=33
